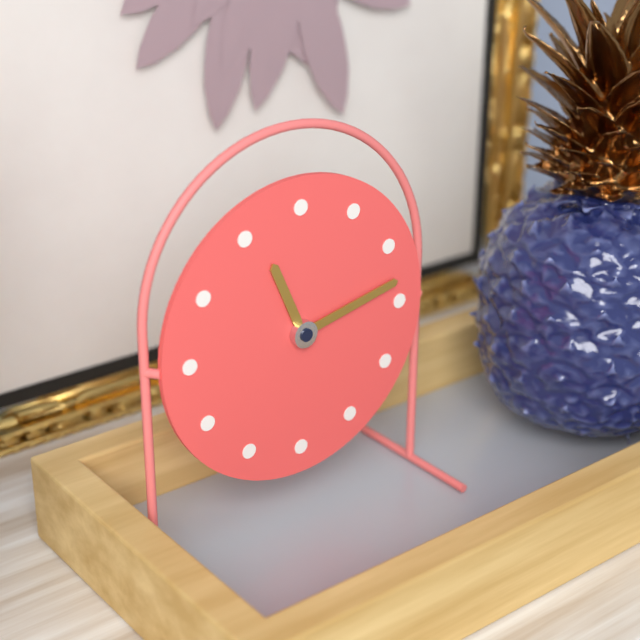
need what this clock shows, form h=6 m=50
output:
h=11 m=13
